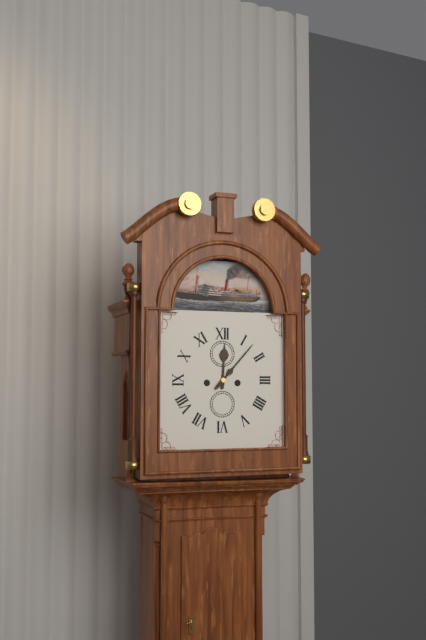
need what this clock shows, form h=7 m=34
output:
h=12 m=7
